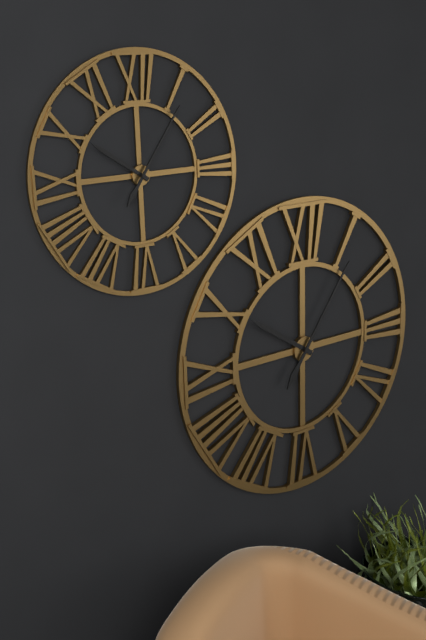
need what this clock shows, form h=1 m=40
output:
h=10 m=6
